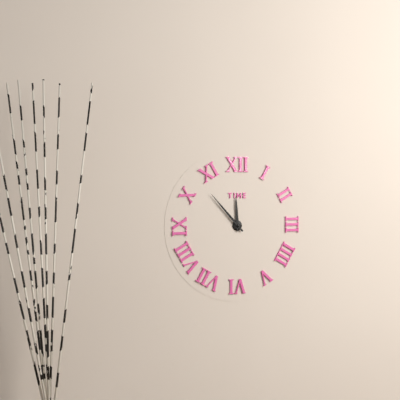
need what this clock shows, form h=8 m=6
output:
h=11 m=53
